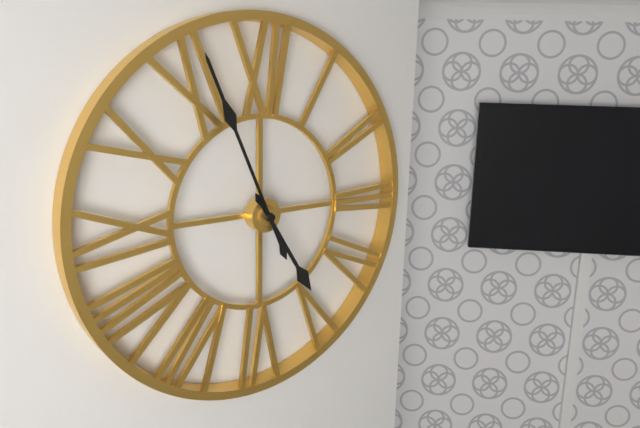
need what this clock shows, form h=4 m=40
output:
h=4 m=56
